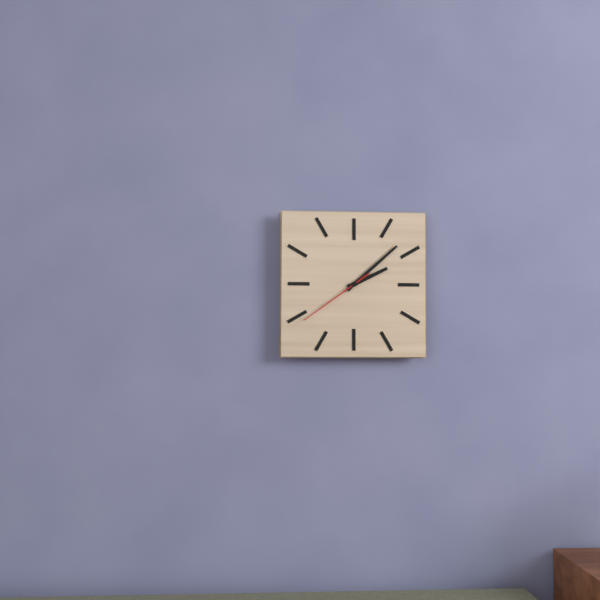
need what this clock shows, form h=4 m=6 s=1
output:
h=2 m=8 s=39
